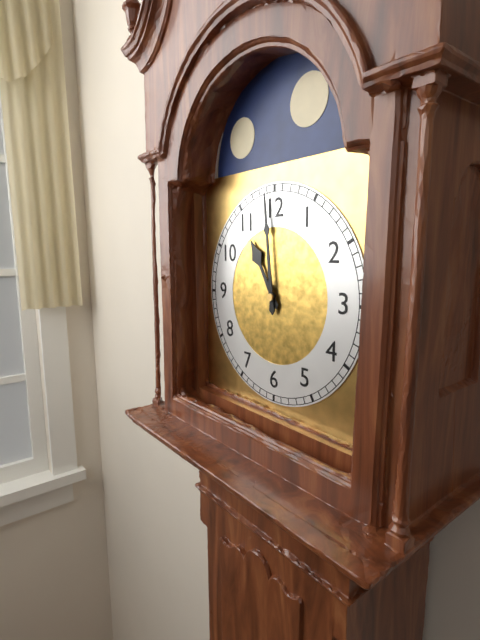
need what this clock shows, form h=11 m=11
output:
h=10 m=59
